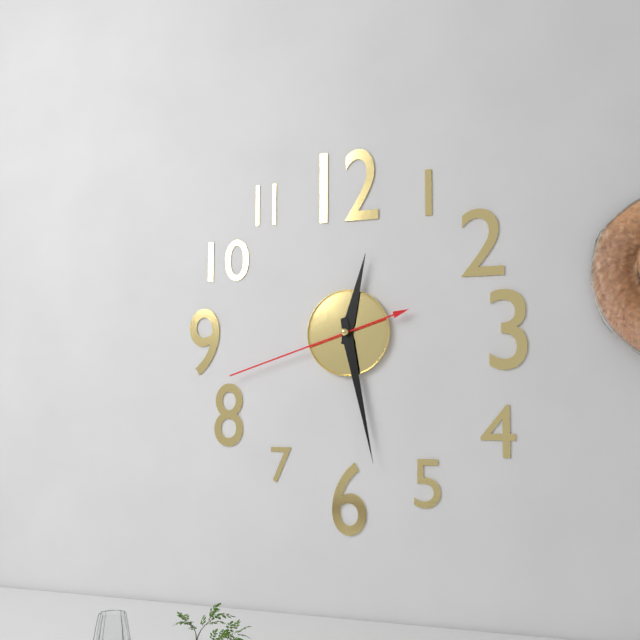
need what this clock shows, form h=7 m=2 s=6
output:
h=12 m=28 s=42
